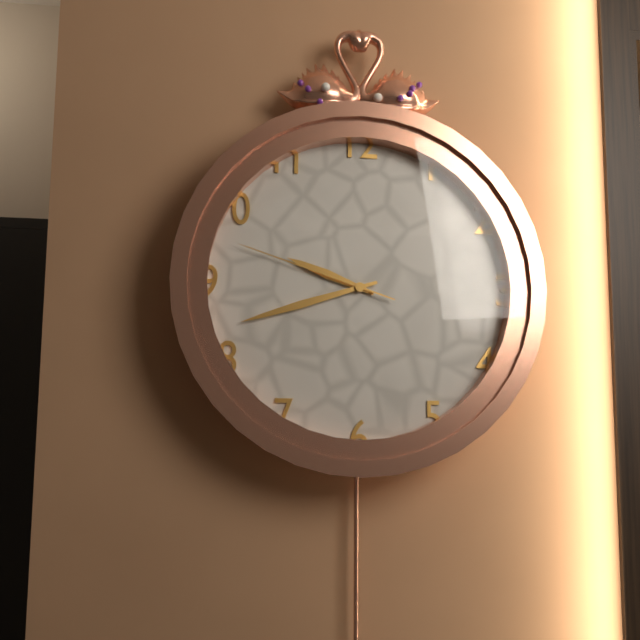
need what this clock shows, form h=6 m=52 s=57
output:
h=9 m=42 s=48
